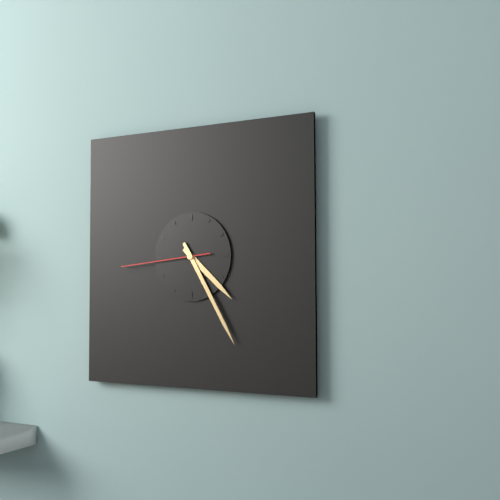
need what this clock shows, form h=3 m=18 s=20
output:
h=4 m=25 s=44
